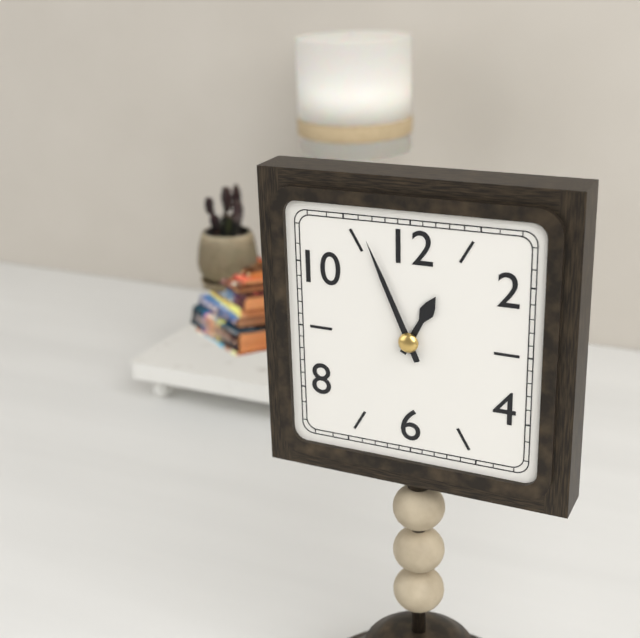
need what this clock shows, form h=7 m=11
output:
h=12 m=56
